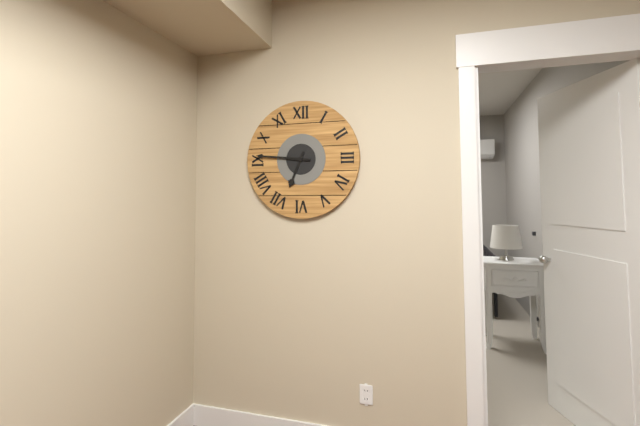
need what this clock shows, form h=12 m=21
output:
h=6 m=46
